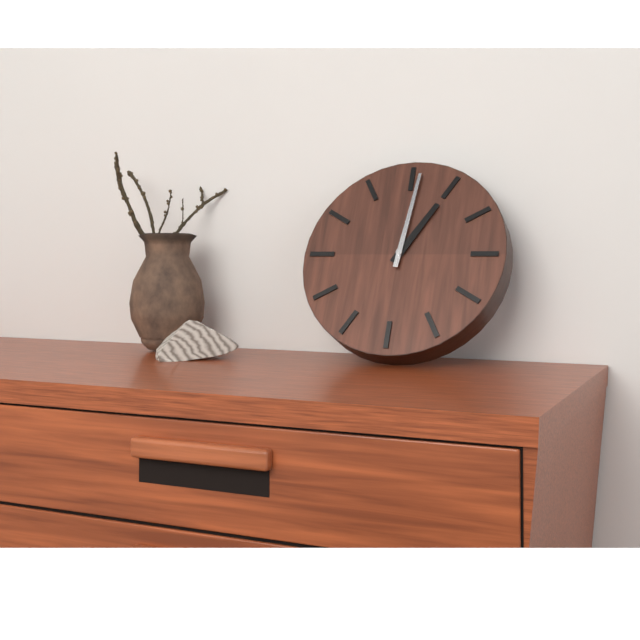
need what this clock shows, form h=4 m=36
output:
h=1 m=1
